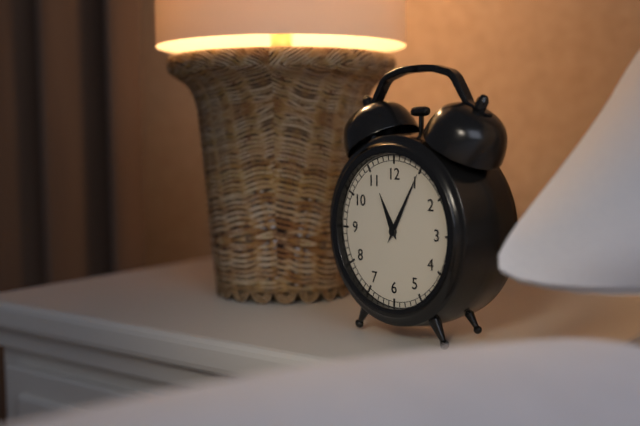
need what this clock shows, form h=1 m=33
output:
h=11 m=5
